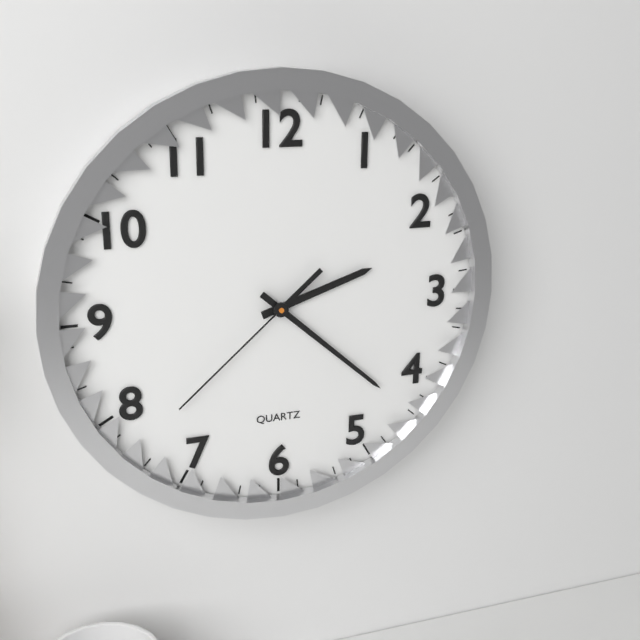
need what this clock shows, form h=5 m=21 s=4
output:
h=2 m=22 s=38
